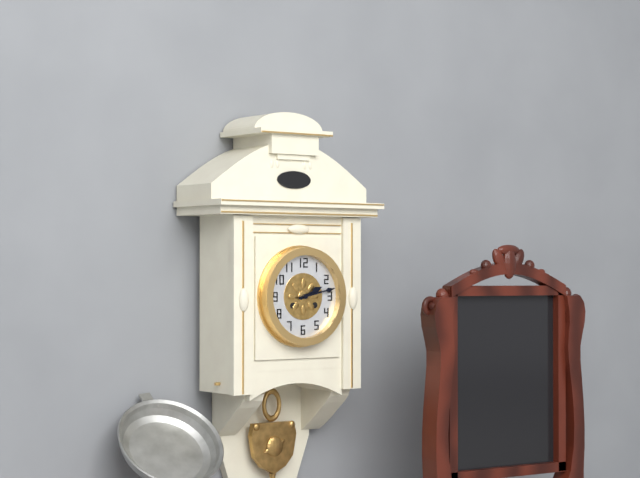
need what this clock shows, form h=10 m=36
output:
h=2 m=13
